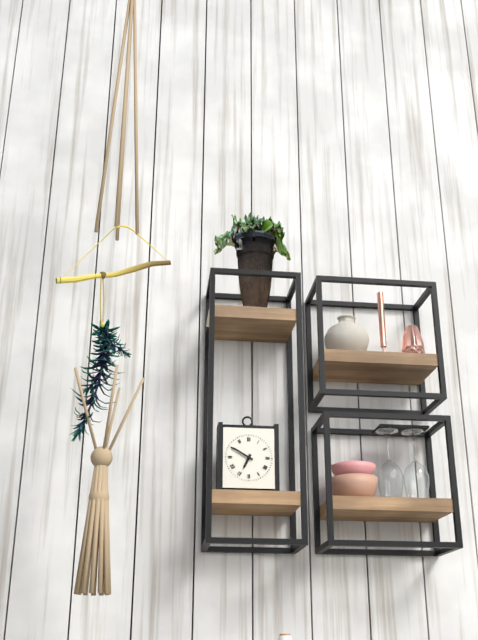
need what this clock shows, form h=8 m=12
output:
h=6 m=50
